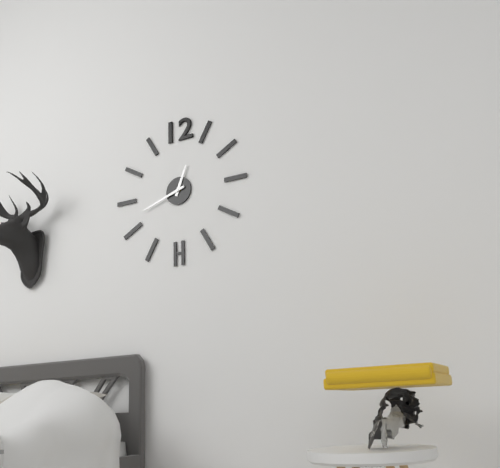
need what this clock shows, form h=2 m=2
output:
h=12 m=42
